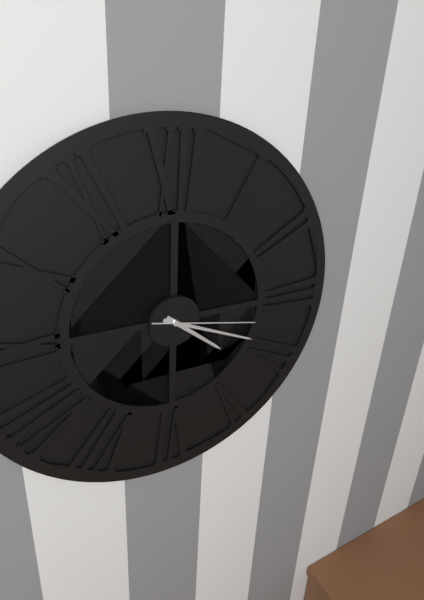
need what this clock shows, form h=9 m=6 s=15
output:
h=4 m=19 s=17
